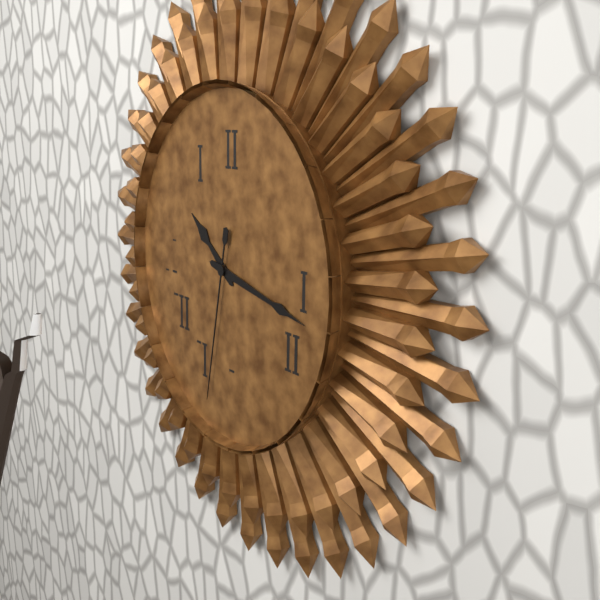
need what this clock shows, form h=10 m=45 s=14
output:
h=10 m=17 s=32
